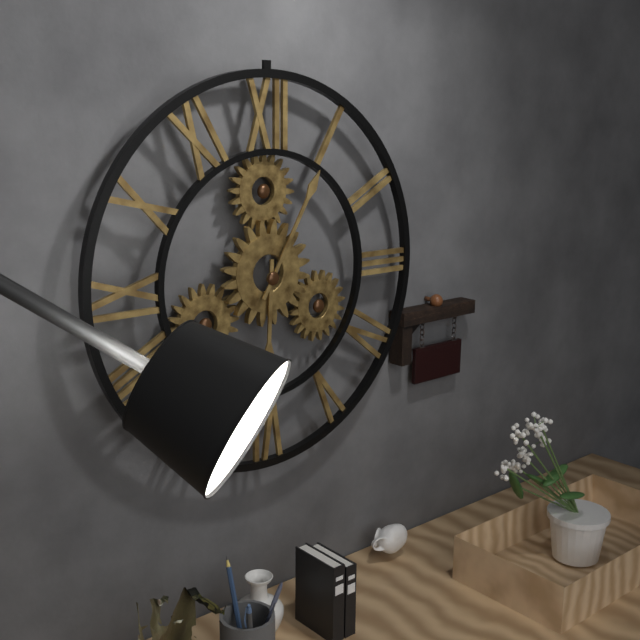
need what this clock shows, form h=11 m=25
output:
h=6 m=5
